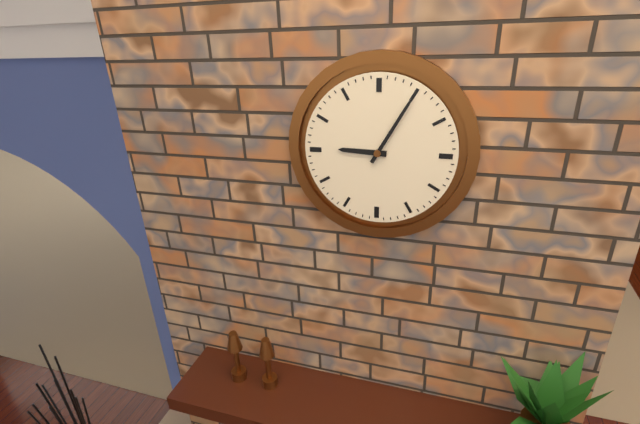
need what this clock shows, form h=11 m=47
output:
h=9 m=5
